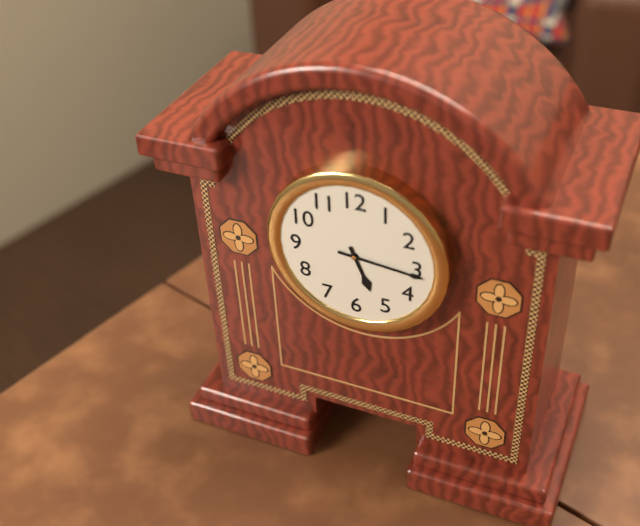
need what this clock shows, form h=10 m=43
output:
h=5 m=16
